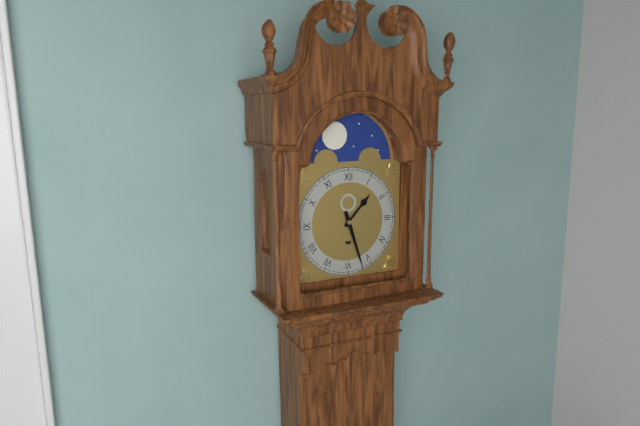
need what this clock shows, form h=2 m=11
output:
h=1 m=27
